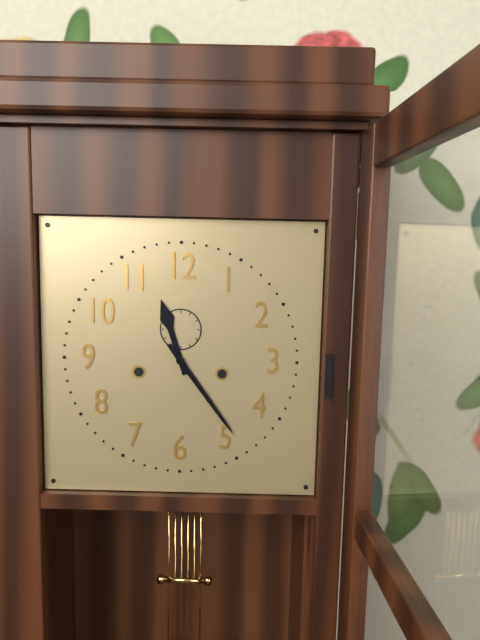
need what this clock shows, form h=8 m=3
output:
h=11 m=24
